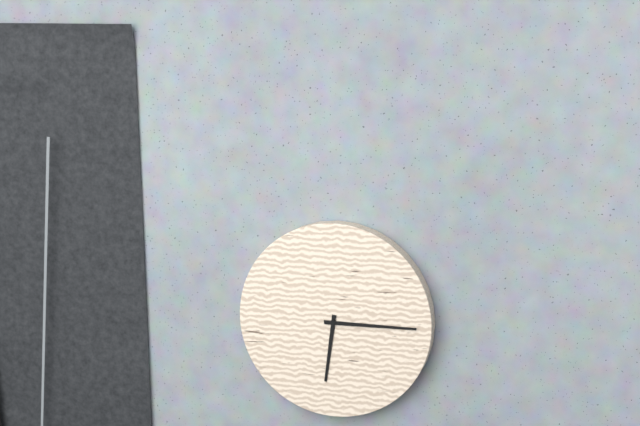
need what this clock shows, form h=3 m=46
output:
h=6 m=15
